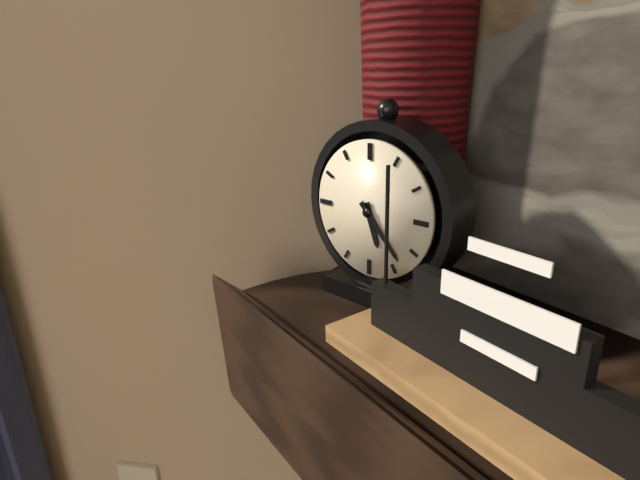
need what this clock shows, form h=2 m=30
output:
h=5 m=23
